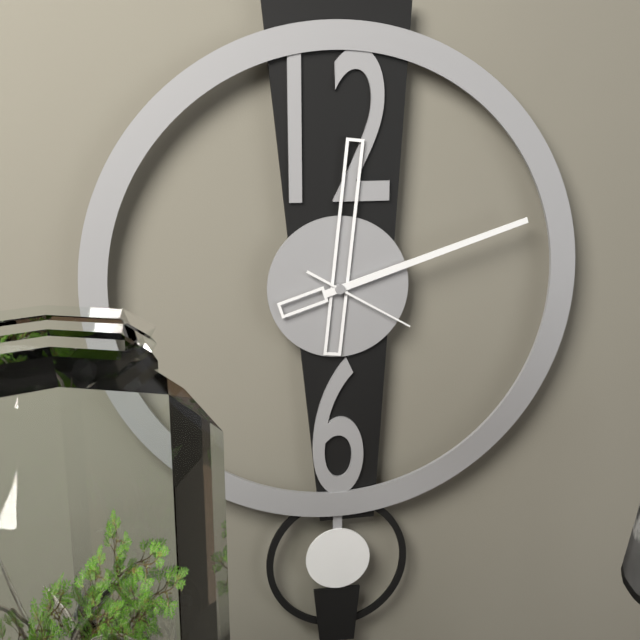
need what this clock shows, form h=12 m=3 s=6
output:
h=12 m=12 s=20
